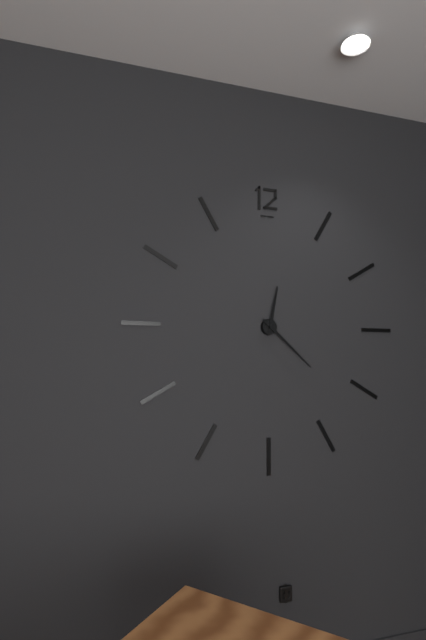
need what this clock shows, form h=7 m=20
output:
h=12 m=22
